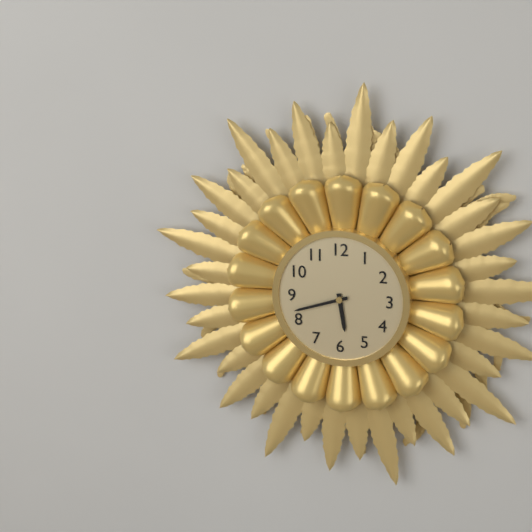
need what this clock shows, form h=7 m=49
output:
h=5 m=42
